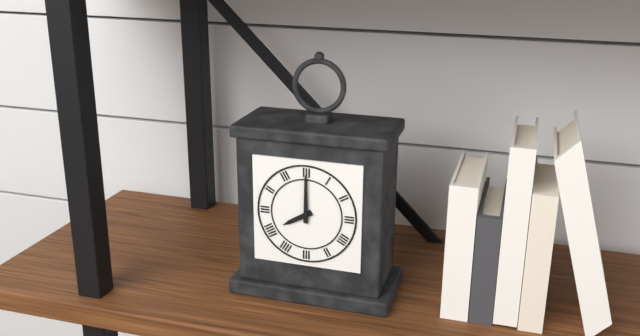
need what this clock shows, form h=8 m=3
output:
h=8 m=0
